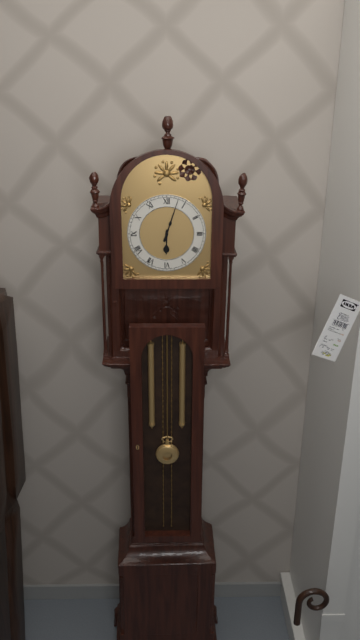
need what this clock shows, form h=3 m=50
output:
h=6 m=3
